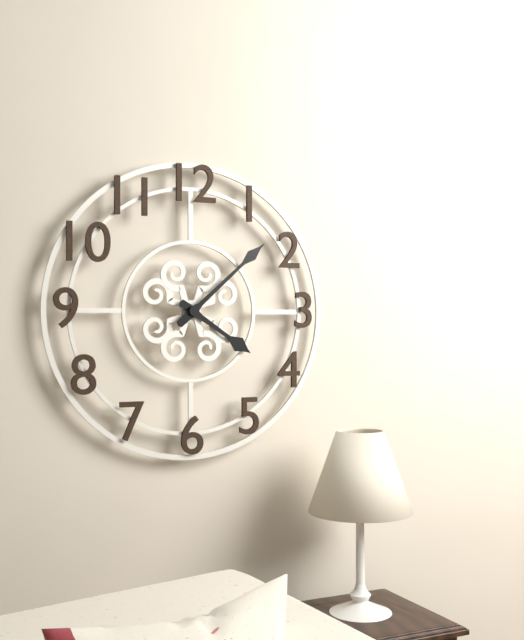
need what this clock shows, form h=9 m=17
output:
h=4 m=8
